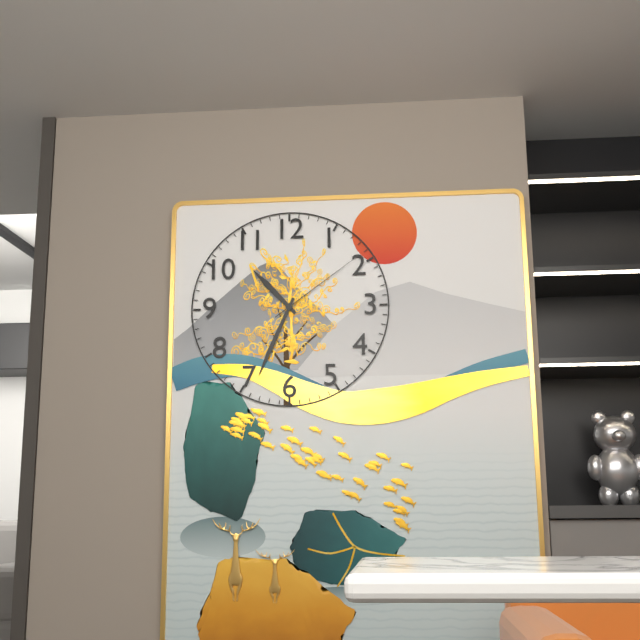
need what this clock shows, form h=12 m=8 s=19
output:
h=10 m=34 s=9
